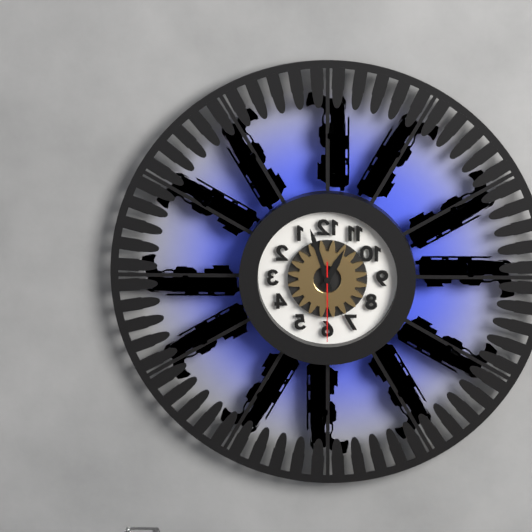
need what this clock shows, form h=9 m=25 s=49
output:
h=12 m=57 s=30
